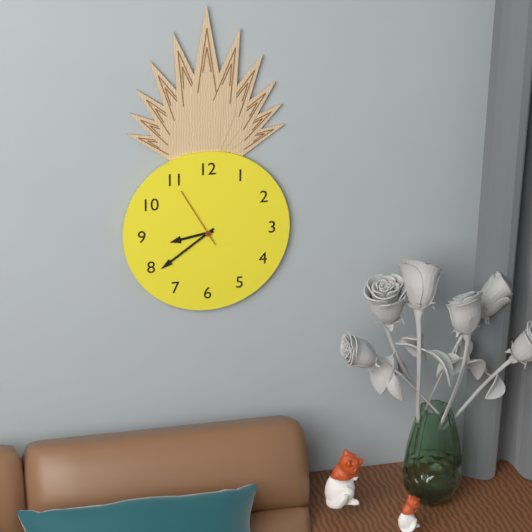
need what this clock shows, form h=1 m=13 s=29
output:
h=8 m=39 s=55
